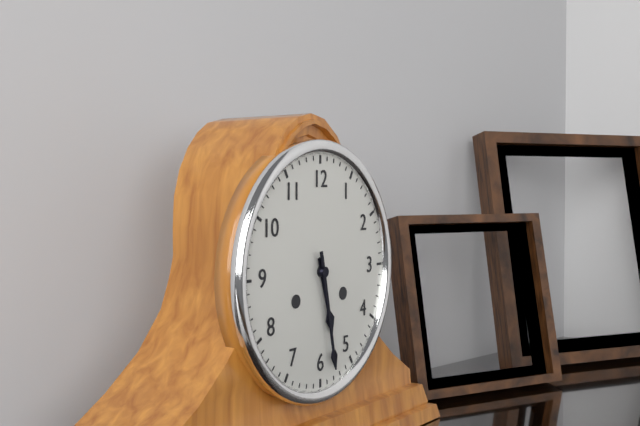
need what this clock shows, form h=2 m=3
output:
h=5 m=28
